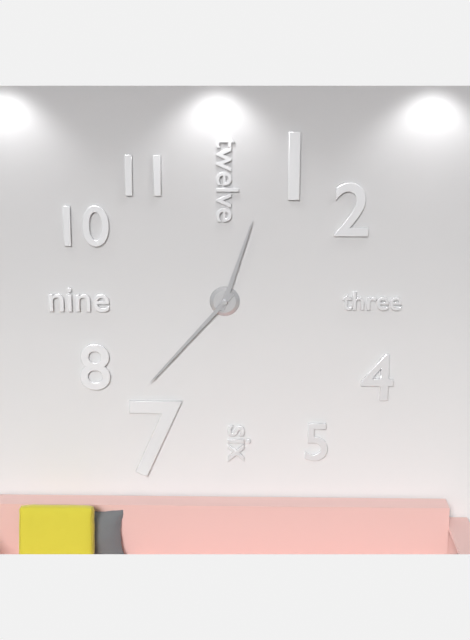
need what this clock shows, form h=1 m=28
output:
h=12 m=37
